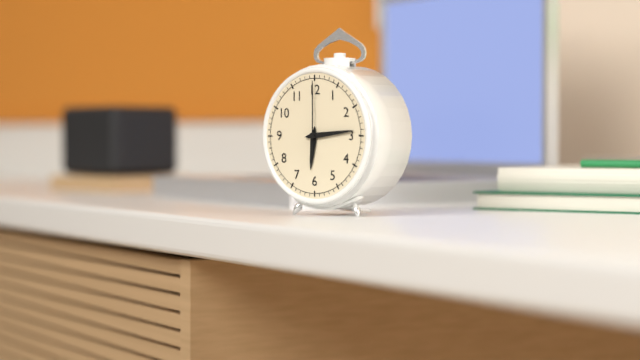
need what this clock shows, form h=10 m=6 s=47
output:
h=6 m=14 s=0
